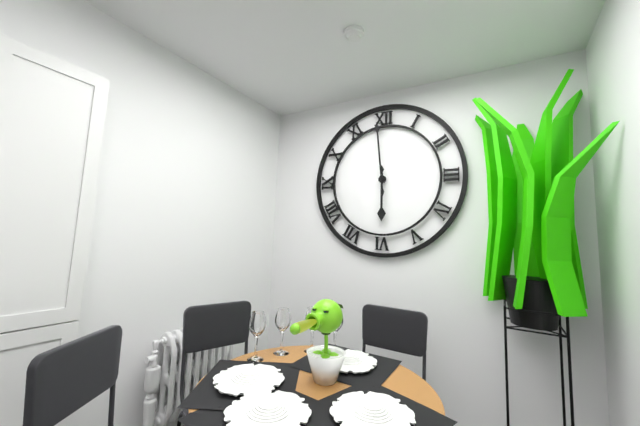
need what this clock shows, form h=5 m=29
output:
h=5 m=59
